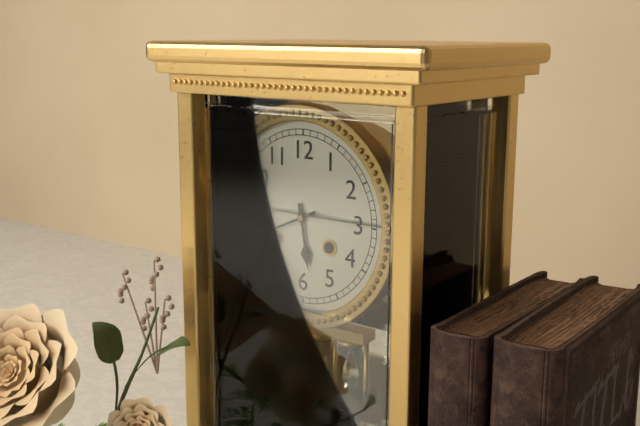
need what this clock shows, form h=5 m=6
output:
h=5 m=41
